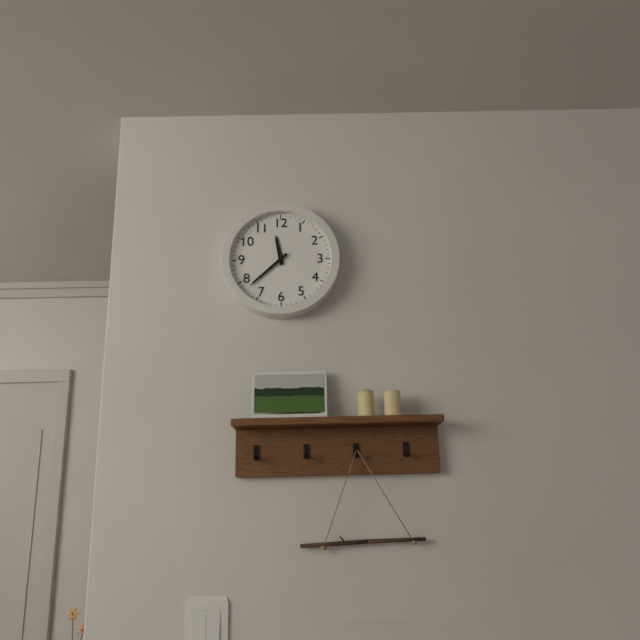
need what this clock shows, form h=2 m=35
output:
h=11 m=38
